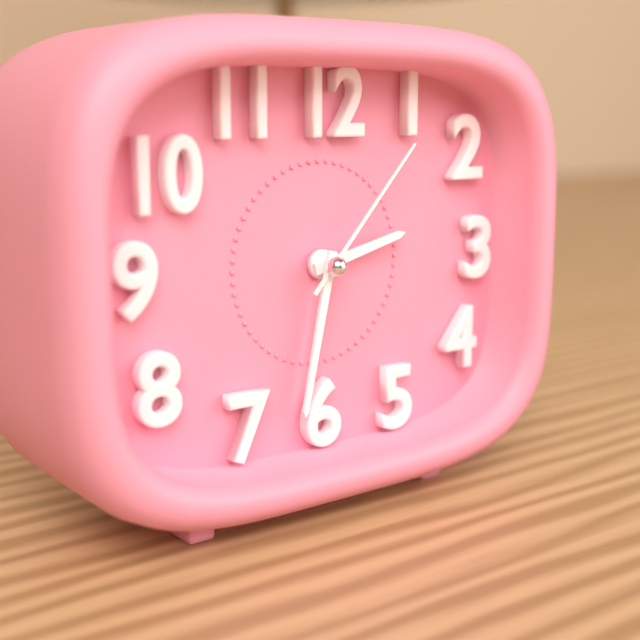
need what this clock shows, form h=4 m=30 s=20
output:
h=2 m=32 s=7
